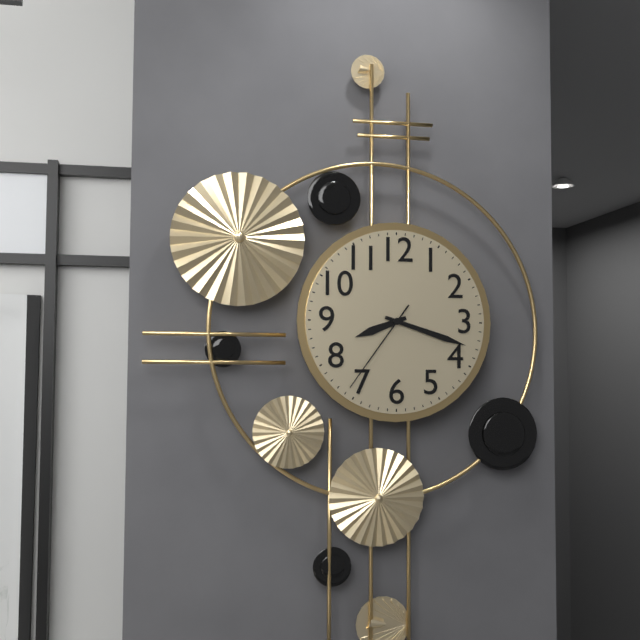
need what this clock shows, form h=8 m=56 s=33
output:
h=8 m=18 s=36
